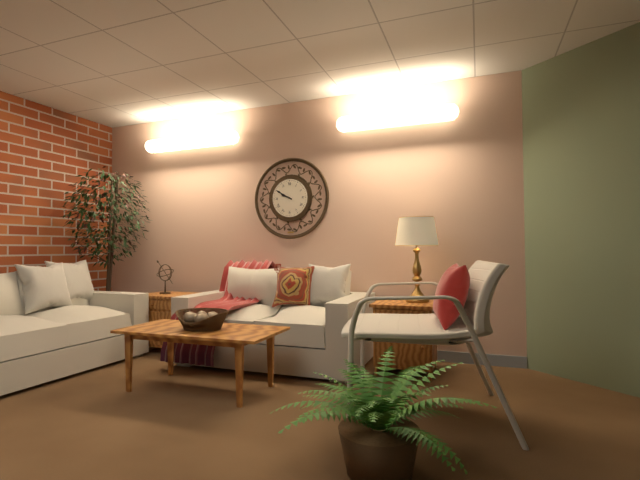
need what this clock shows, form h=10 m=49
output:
h=9 m=50
